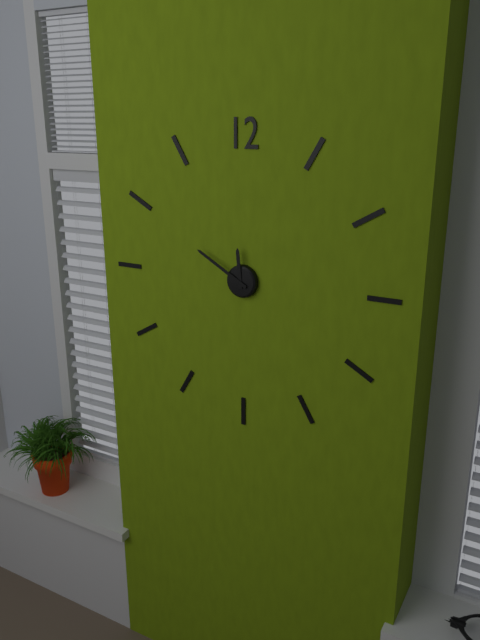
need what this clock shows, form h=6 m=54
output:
h=11 m=50
